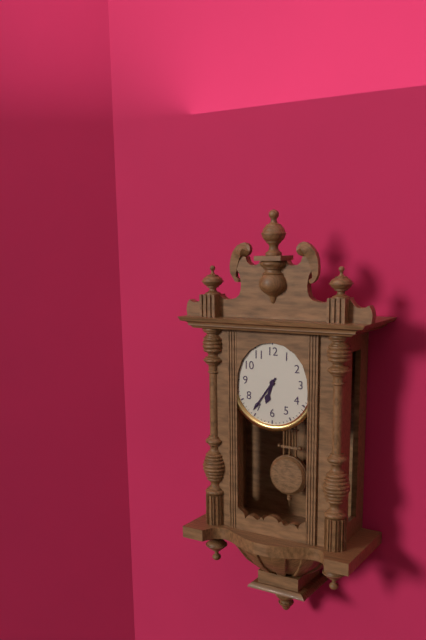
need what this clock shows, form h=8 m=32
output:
h=6 m=36
